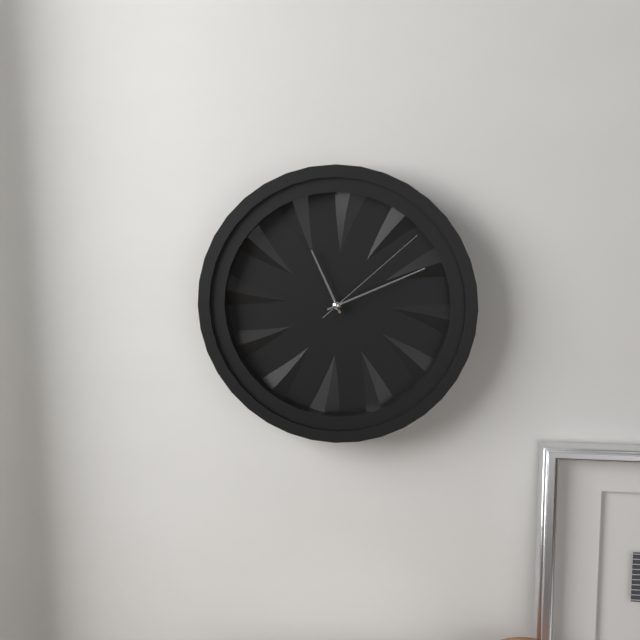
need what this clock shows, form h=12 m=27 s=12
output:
h=11 m=11 s=8
